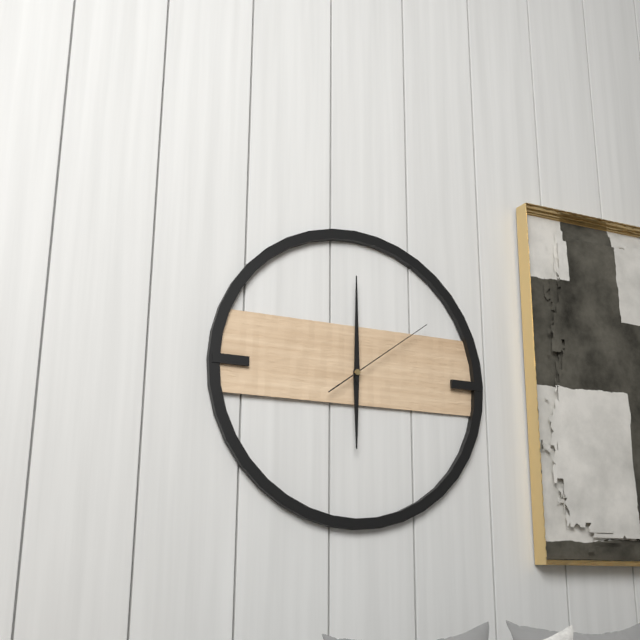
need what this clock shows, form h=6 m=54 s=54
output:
h=6 m=0 s=9
